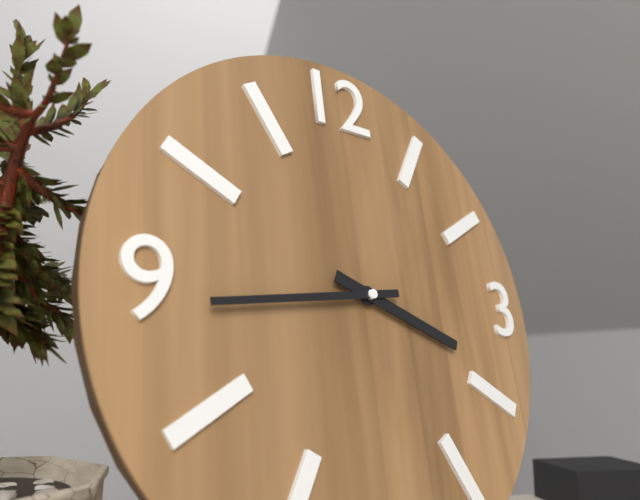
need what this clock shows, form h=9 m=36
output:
h=3 m=44
